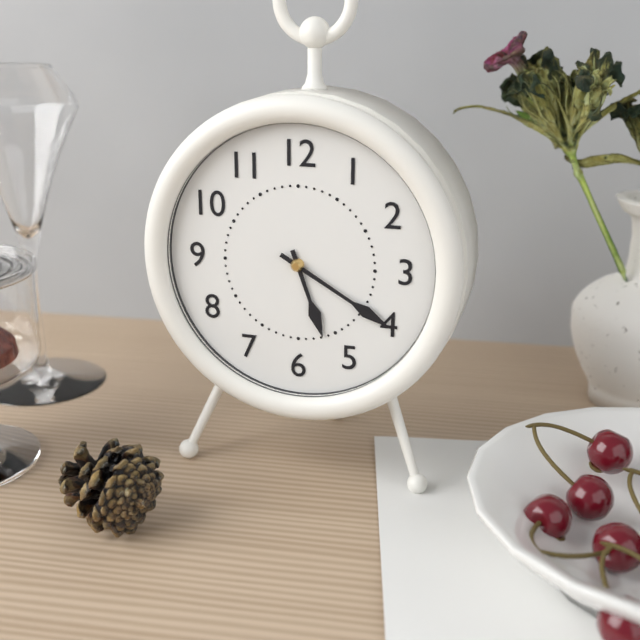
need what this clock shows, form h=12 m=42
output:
h=5 m=20
